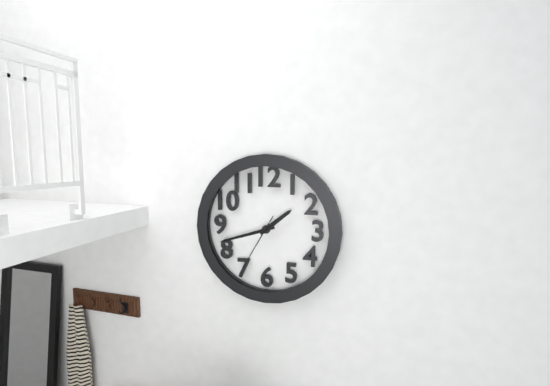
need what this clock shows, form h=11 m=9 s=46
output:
h=1 m=42 s=35
